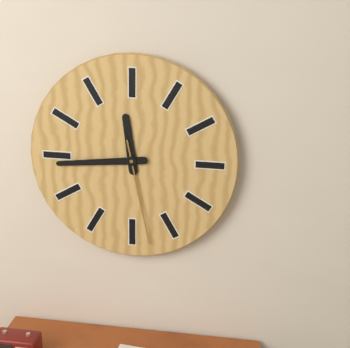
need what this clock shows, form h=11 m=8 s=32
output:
h=11 m=44 s=28
